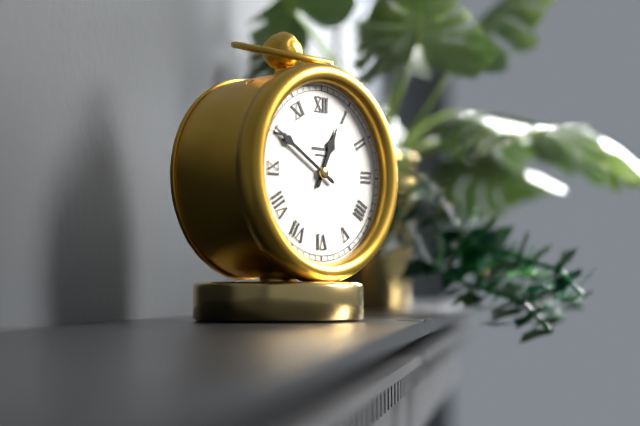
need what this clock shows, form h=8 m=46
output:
h=12 m=50
